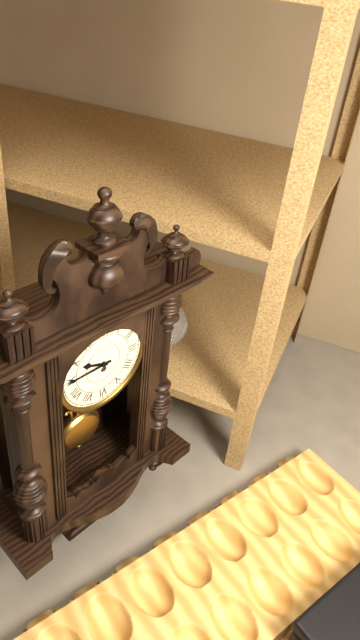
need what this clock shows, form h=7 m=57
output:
h=9 m=45
